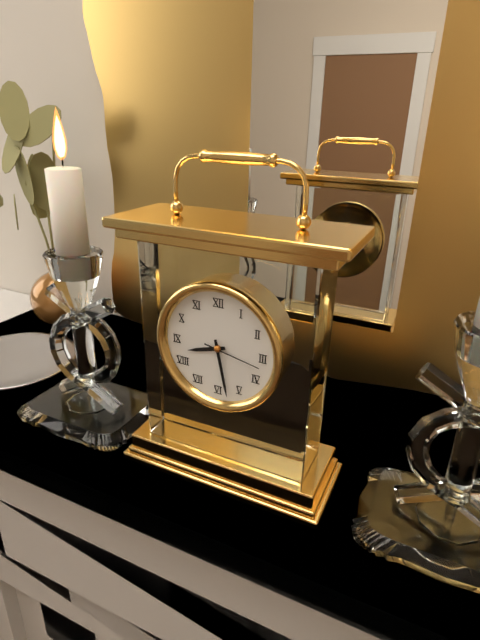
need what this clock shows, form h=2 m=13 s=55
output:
h=8 m=28 s=17
